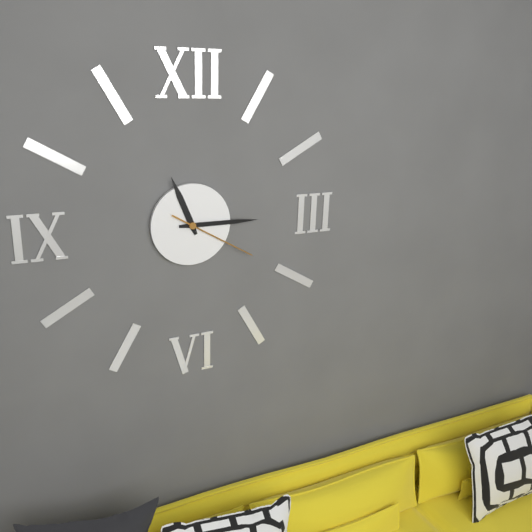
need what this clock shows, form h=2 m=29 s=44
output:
h=11 m=15 s=20
